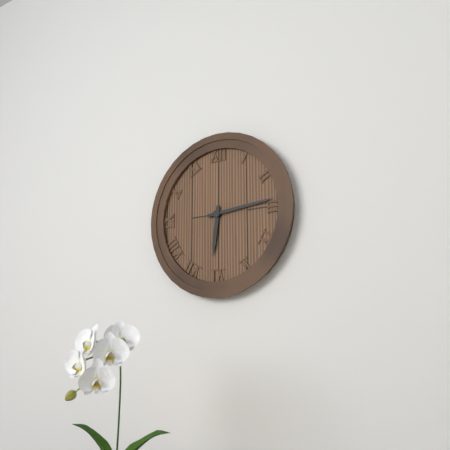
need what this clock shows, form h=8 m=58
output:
h=6 m=14
